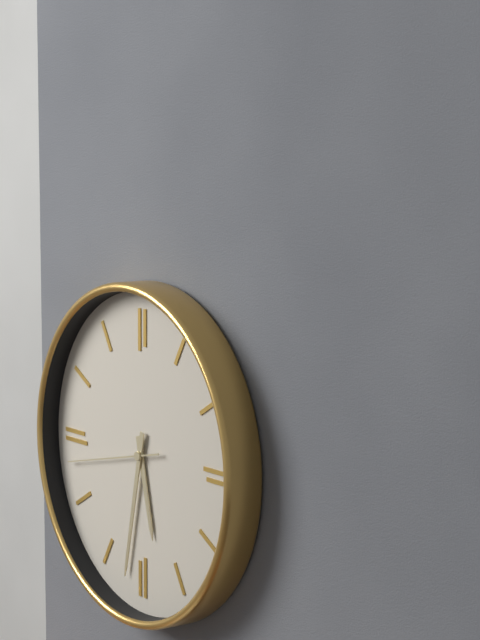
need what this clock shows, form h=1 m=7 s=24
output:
h=5 m=32 s=43
